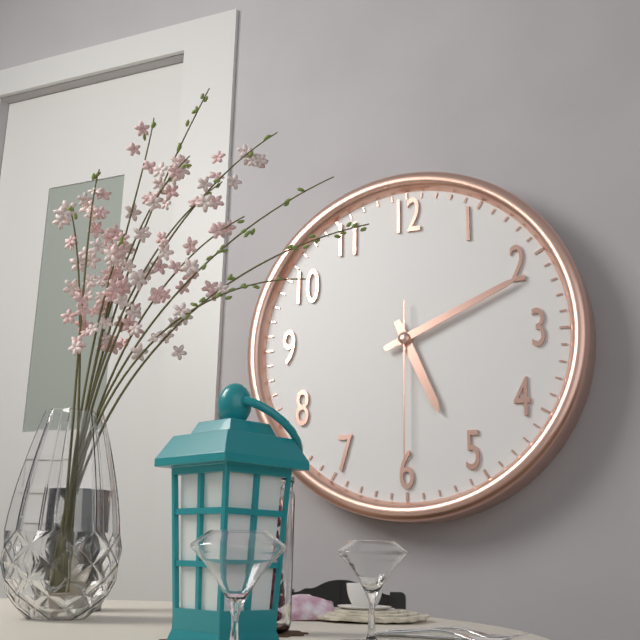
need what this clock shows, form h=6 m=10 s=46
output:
h=5 m=11 s=30
